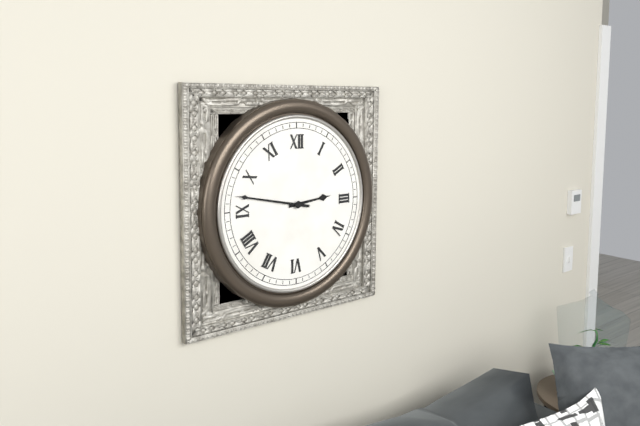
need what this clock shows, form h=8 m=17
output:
h=2 m=47
